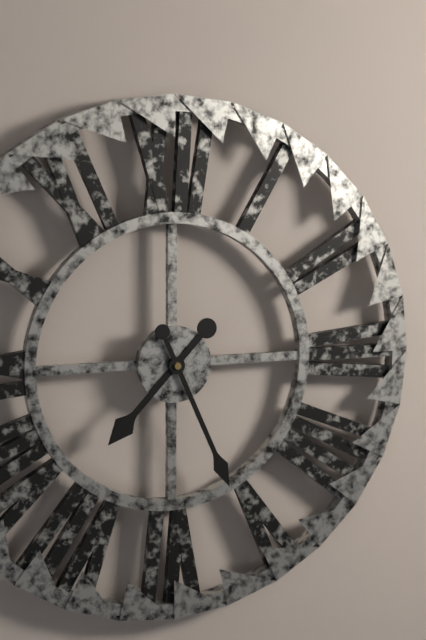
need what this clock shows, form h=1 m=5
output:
h=7 m=26
